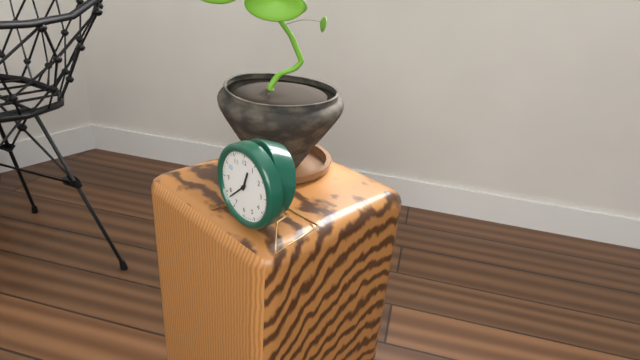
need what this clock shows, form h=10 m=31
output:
h=12 m=38
